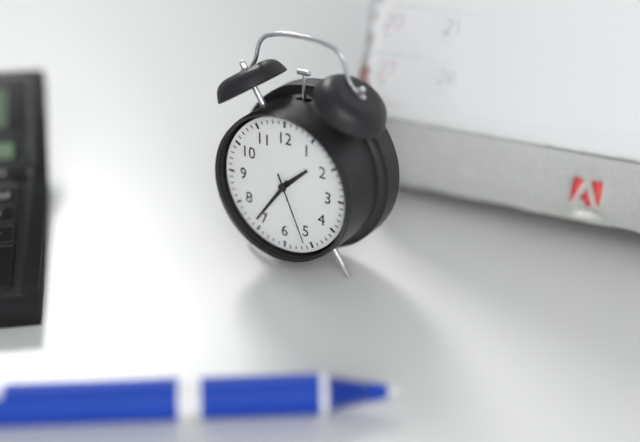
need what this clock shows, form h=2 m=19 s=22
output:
h=1 m=36 s=26
